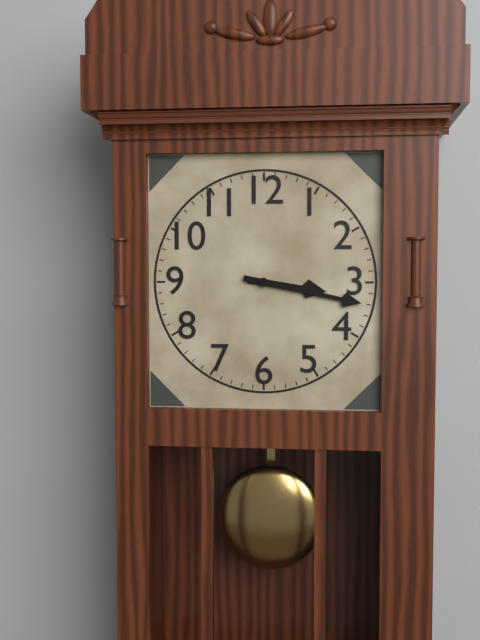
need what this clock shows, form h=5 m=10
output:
h=3 m=17
